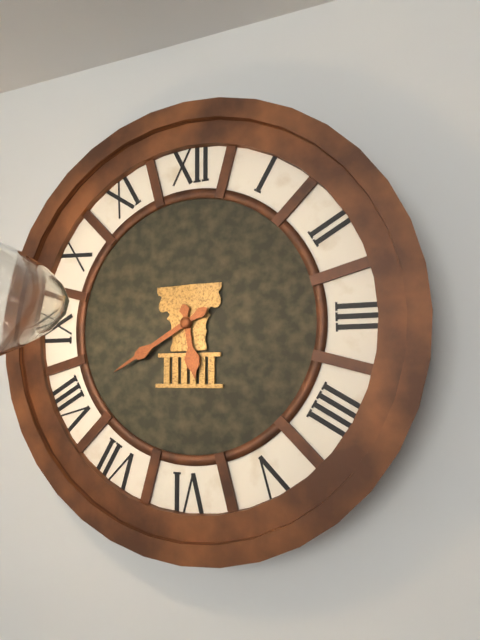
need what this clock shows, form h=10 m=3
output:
h=5 m=40
